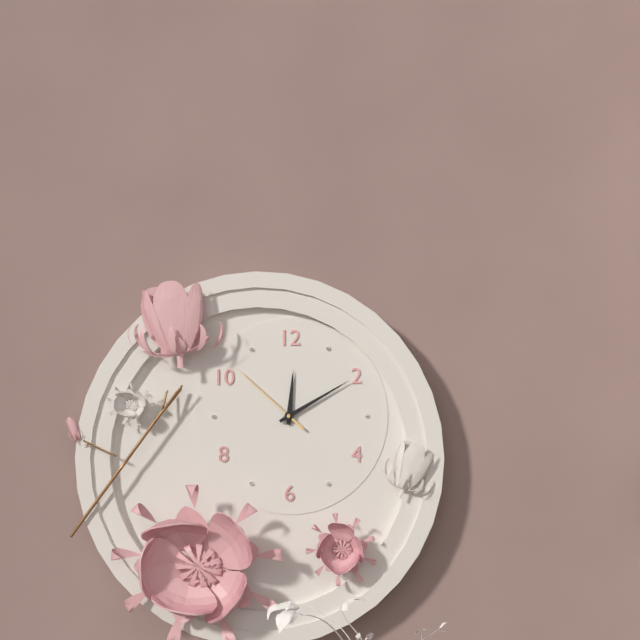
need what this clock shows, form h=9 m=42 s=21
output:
h=12 m=10 s=52
